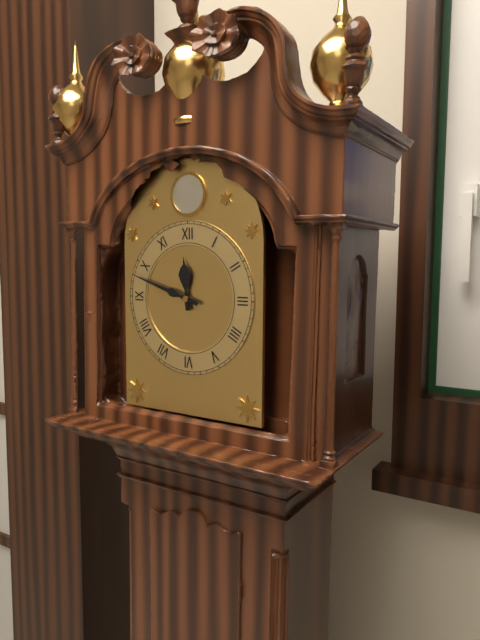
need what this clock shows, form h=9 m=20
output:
h=11 m=48
